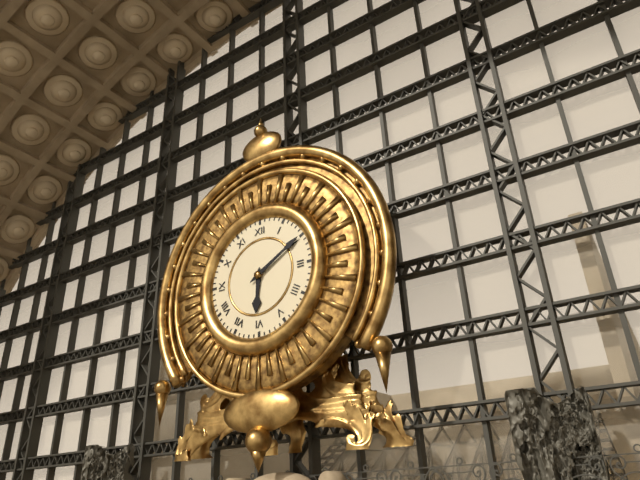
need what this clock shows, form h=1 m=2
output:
h=6 m=10
